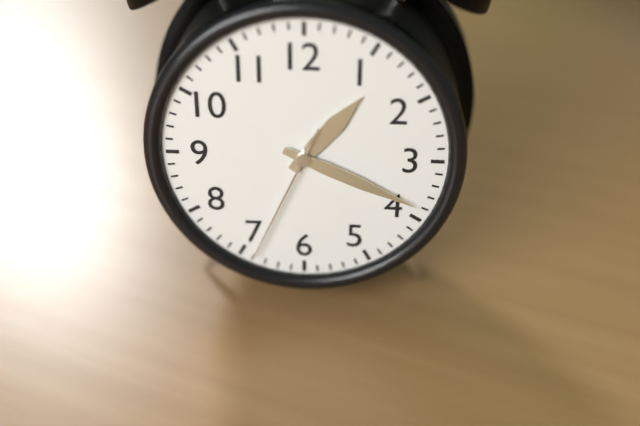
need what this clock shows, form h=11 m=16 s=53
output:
h=1 m=19 s=34
